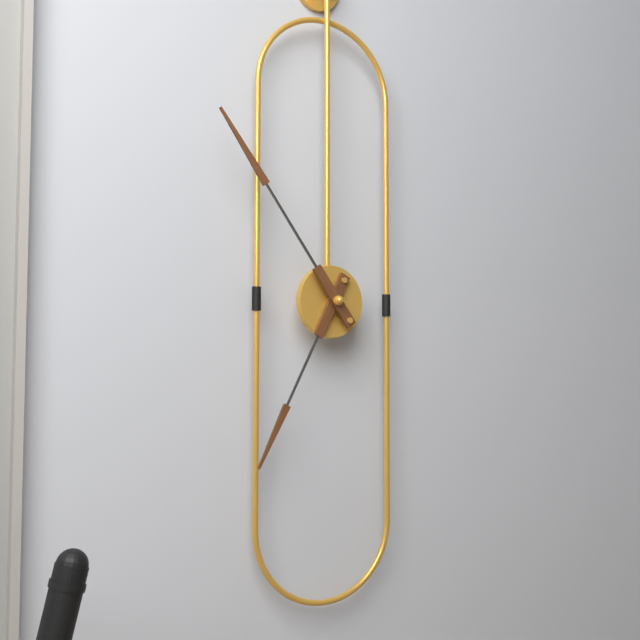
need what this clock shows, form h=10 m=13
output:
h=6 m=54
